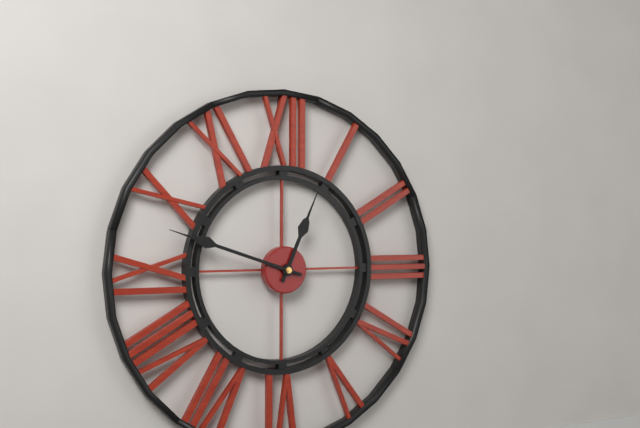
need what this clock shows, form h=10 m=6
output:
h=12 m=48
